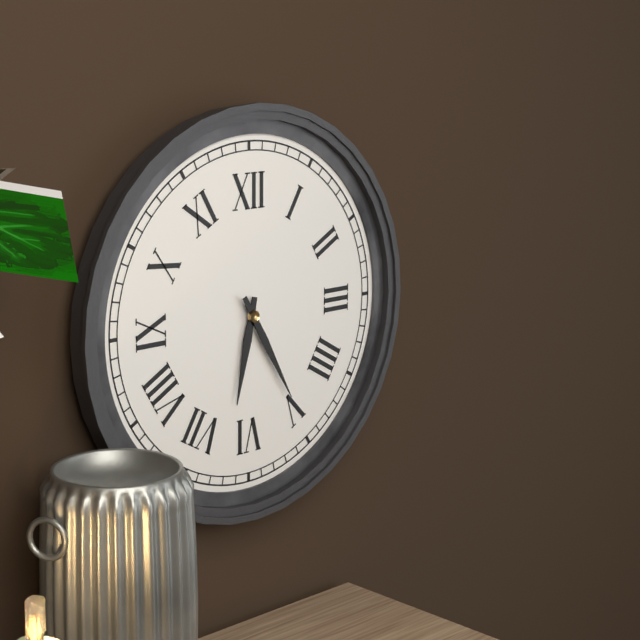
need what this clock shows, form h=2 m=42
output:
h=6 m=25
